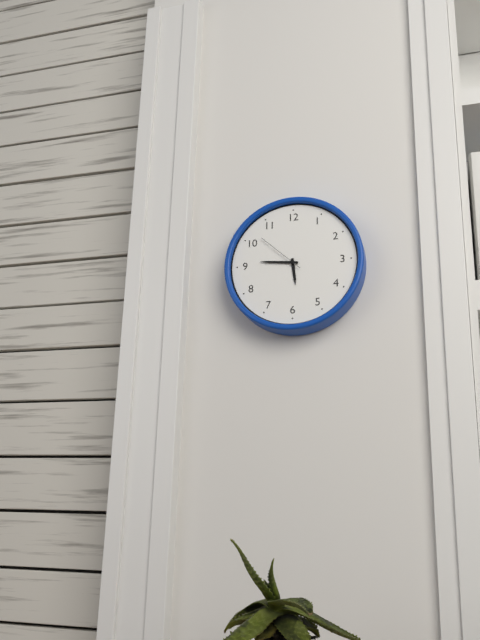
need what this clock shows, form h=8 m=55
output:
h=5 m=46
